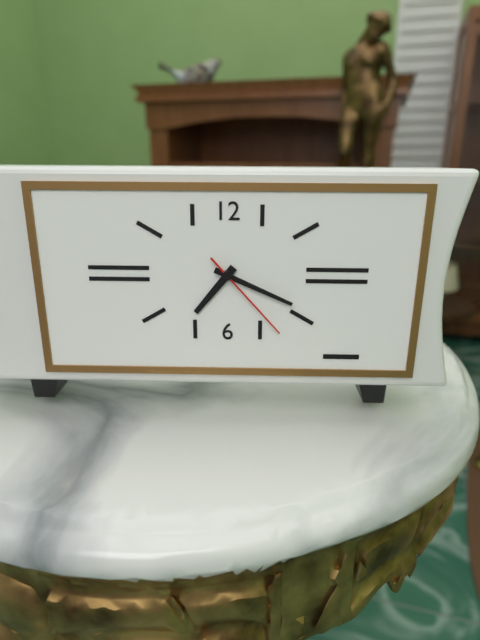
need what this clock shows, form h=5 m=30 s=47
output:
h=7 m=19 s=23
